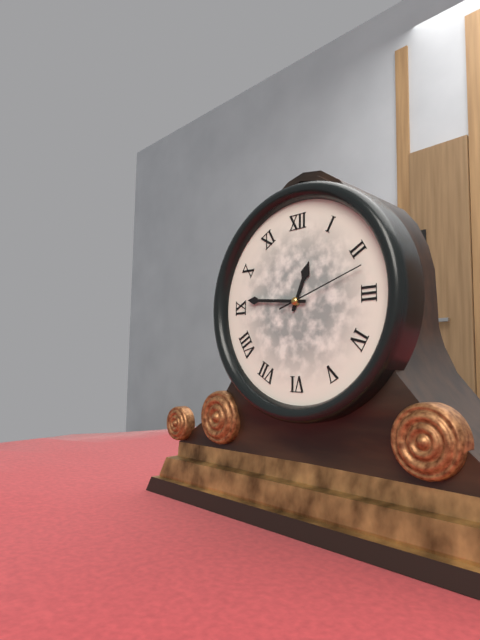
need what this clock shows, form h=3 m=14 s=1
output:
h=12 m=46 s=12
